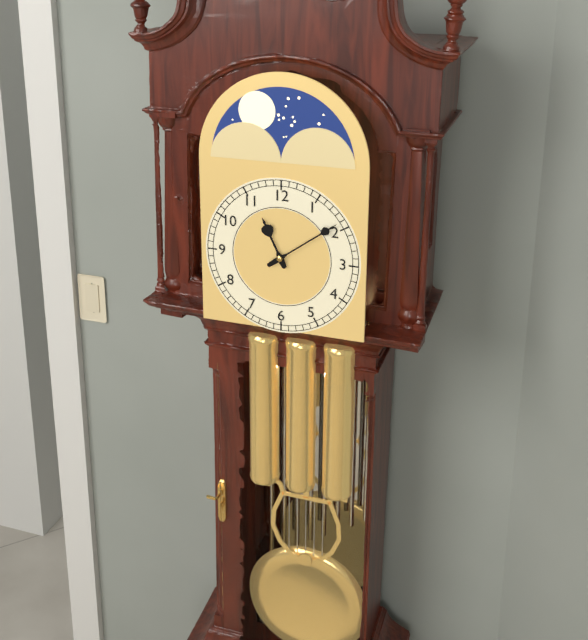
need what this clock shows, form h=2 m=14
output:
h=11 m=9
